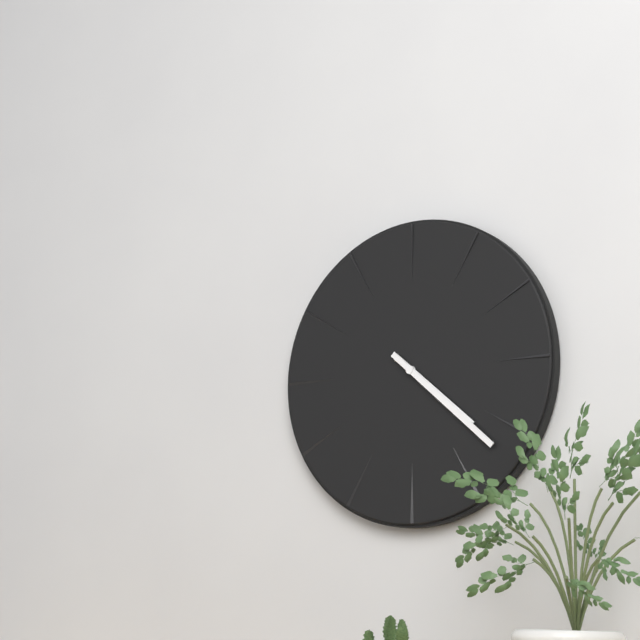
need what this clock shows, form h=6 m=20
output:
h=4 m=22
